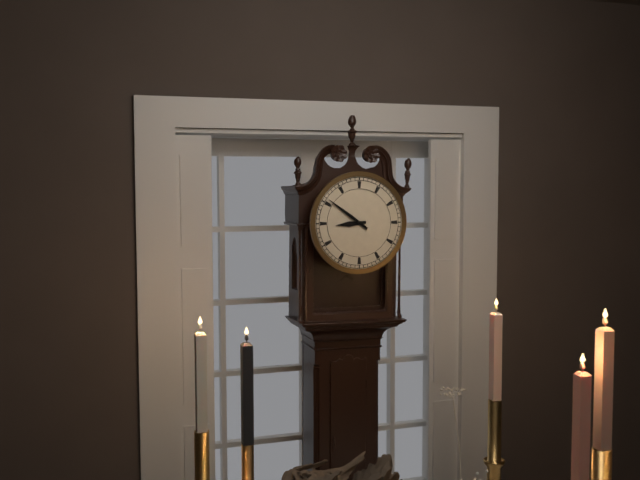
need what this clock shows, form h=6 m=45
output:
h=8 m=51
